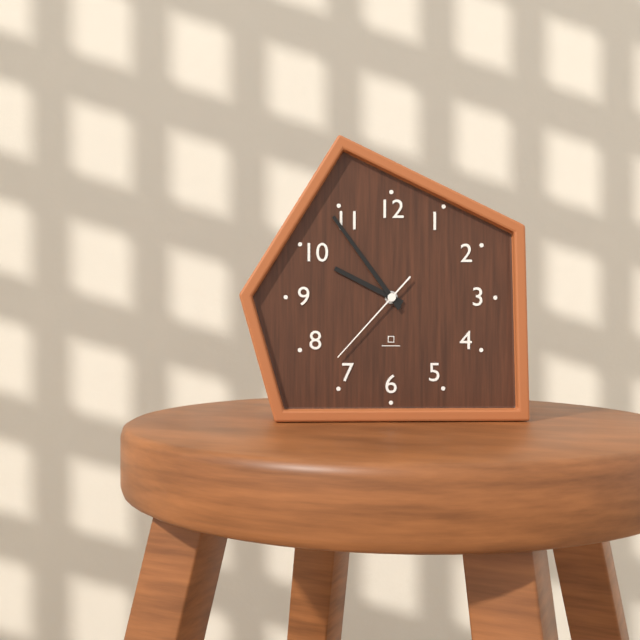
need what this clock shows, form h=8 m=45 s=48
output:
h=9 m=54 s=37
